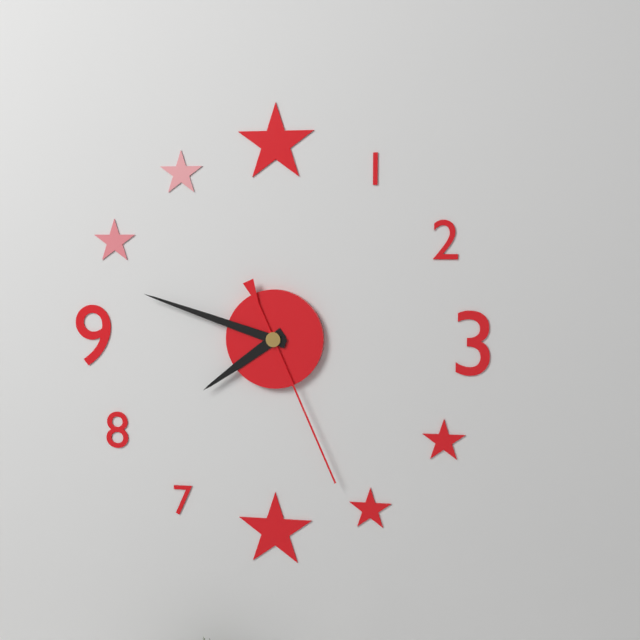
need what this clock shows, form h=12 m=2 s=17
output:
h=7 m=48 s=26
